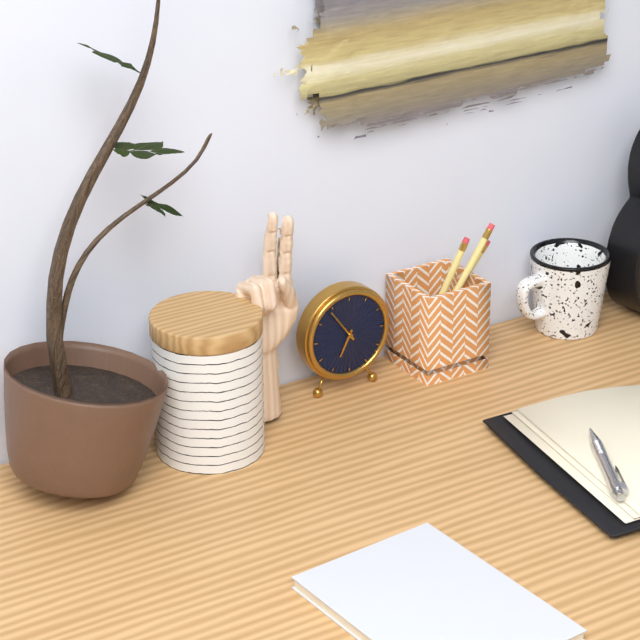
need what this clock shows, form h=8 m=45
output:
h=6 m=54
